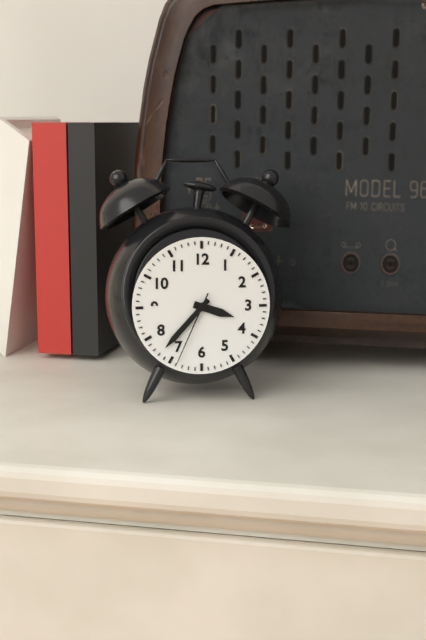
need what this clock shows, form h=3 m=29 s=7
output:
h=3 m=37 s=34
